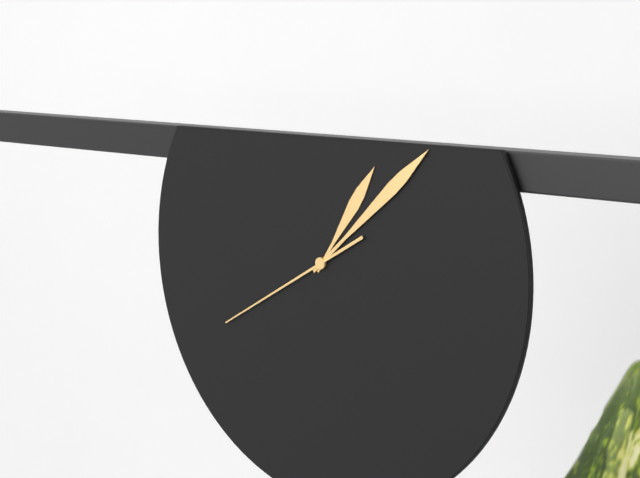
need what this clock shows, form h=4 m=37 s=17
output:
h=1 m=8 s=40
